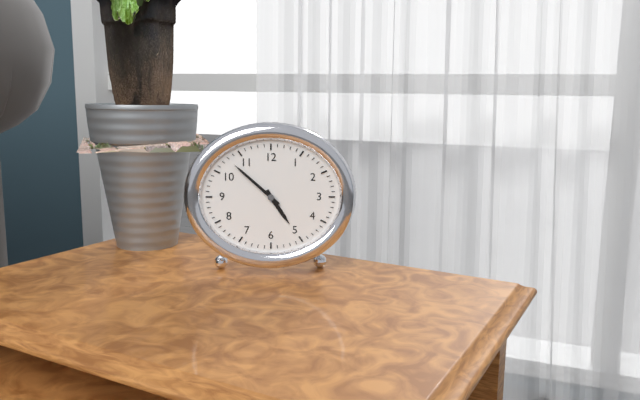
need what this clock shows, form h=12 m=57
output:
h=4 m=52
